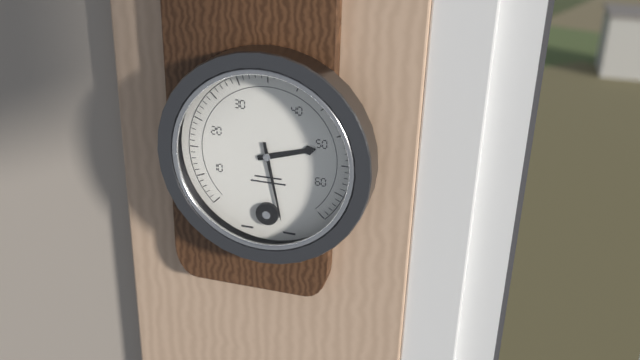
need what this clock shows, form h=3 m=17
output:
h=2 m=28
